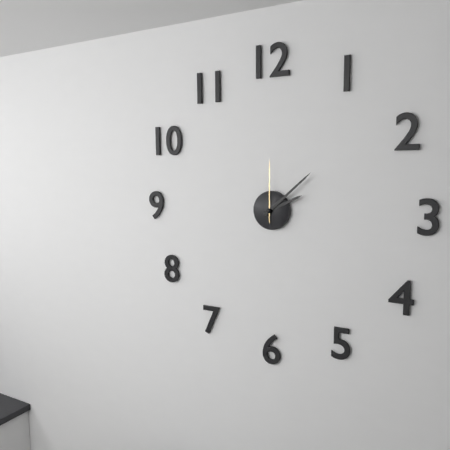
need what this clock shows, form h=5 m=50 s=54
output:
h=2 m=8 s=0
